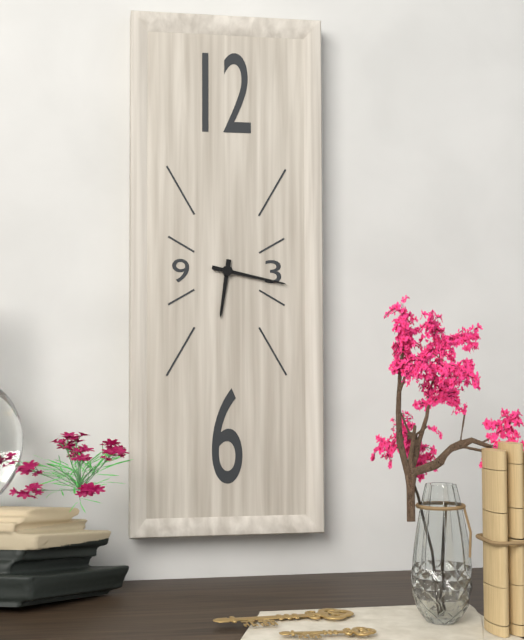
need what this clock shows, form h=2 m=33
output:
h=6 m=17
